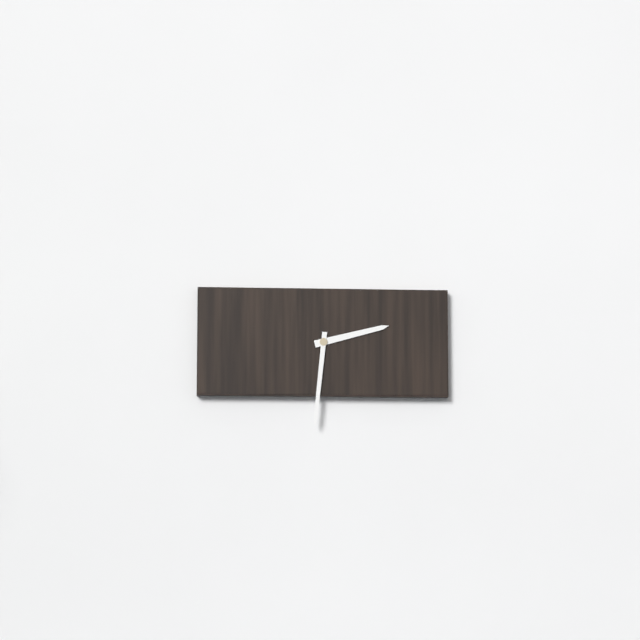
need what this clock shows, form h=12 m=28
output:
h=2 m=31
